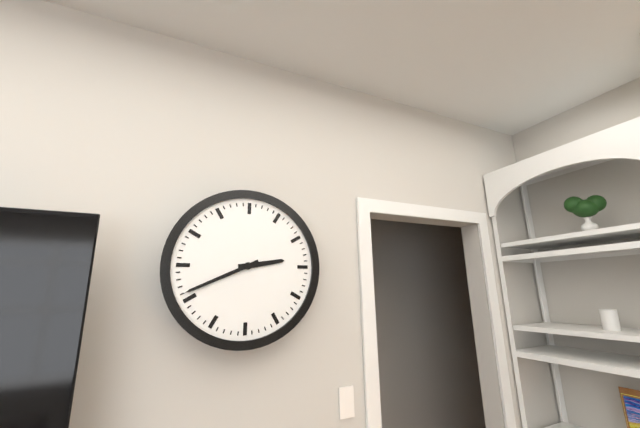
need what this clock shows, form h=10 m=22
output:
h=2 m=41
